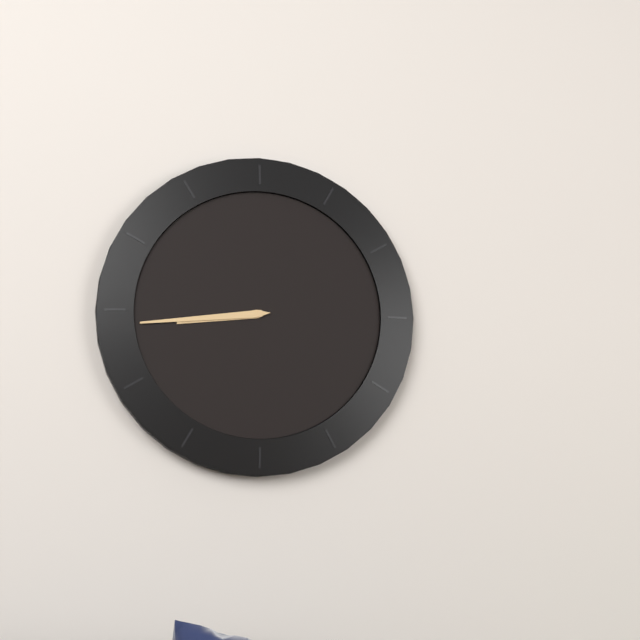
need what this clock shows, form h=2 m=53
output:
h=8 m=44
